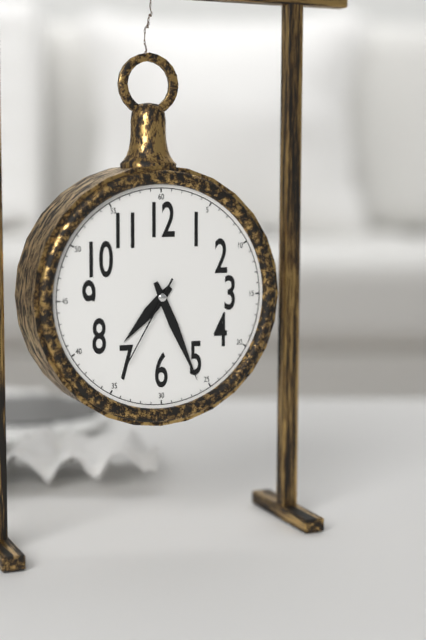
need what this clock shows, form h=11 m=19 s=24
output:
h=7 m=26 s=35
